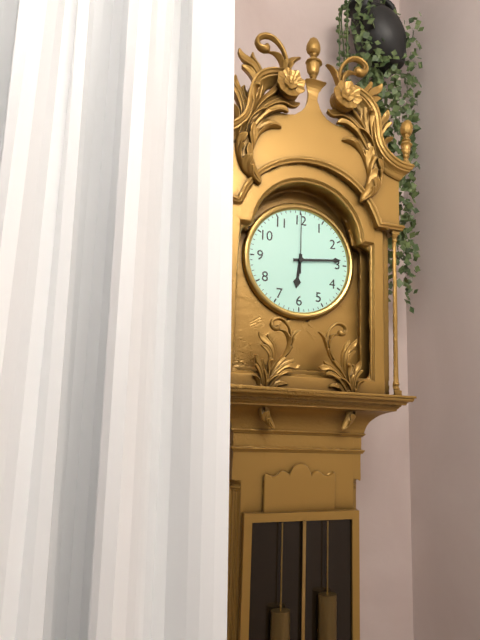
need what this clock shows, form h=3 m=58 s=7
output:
h=6 m=14 s=0
